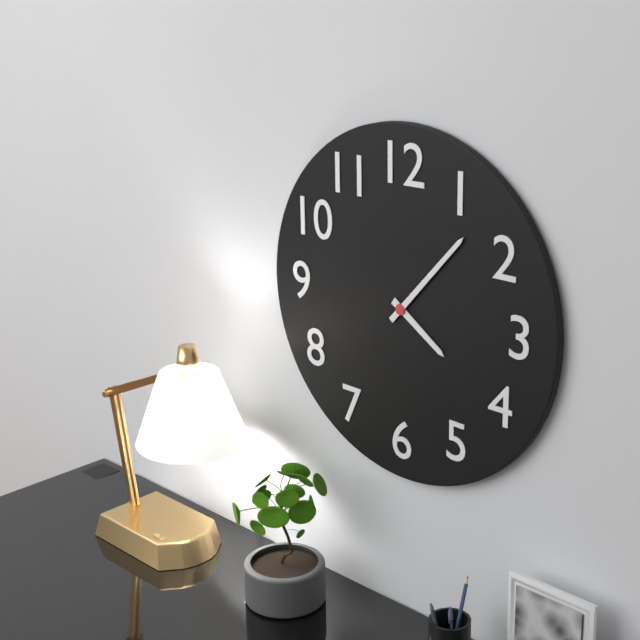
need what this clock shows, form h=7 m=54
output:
h=4 m=7
